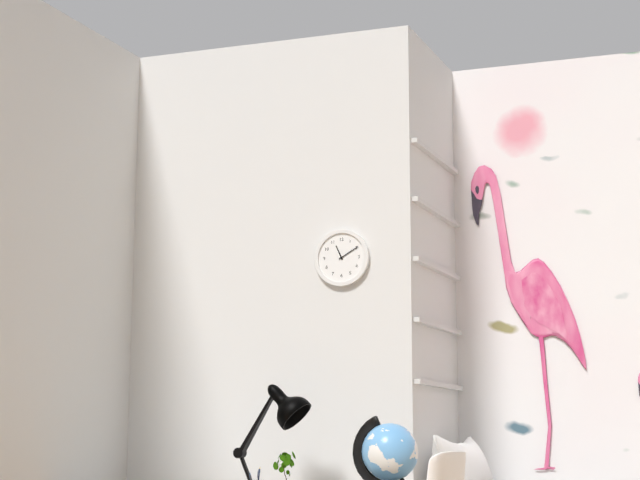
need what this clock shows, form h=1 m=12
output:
h=11 m=10
